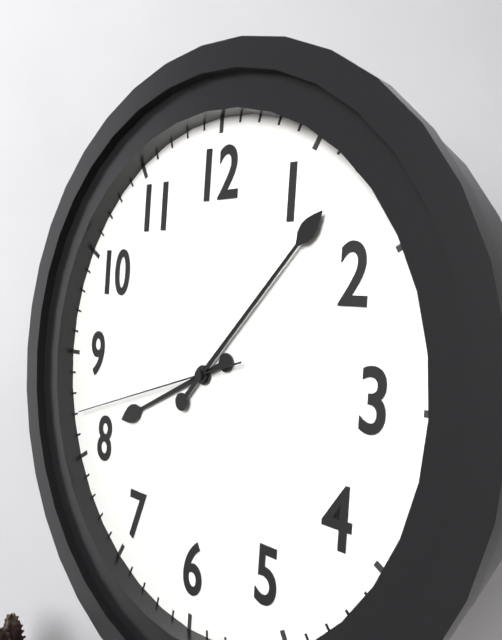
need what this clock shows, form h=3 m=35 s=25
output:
h=8 m=7 s=42
